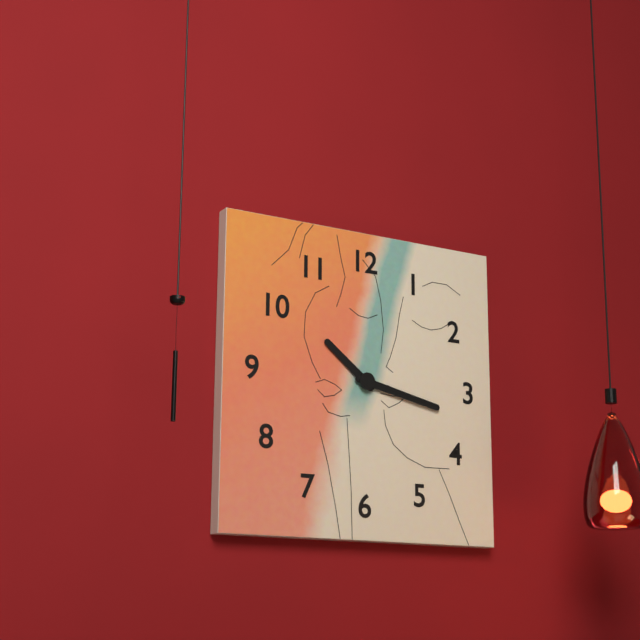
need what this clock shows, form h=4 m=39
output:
h=10 m=17
